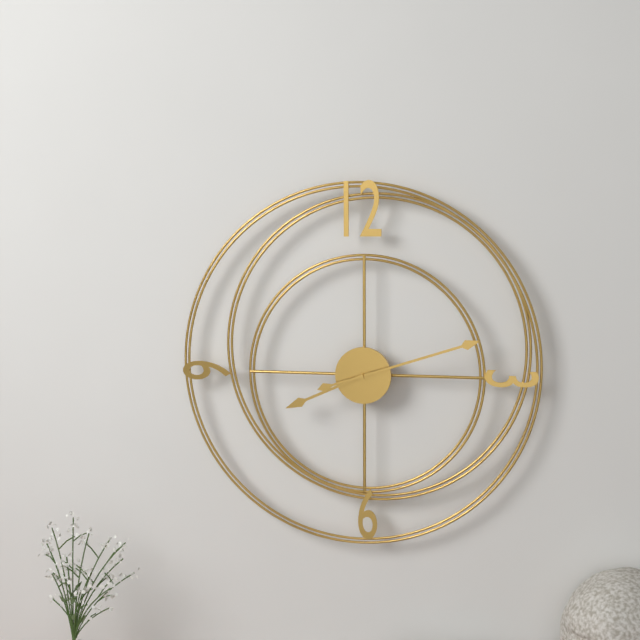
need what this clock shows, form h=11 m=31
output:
h=8 m=12
